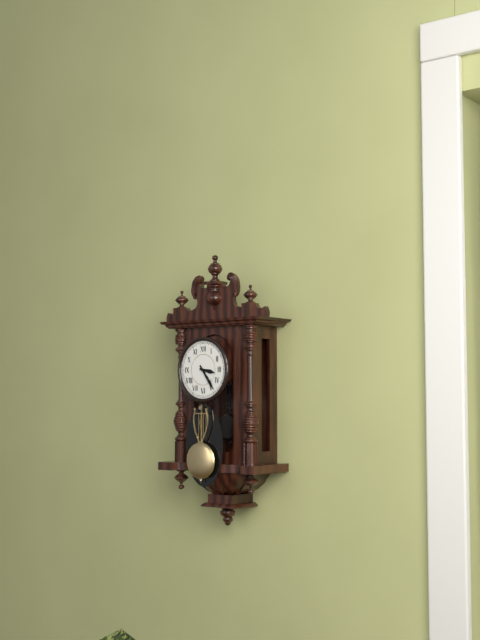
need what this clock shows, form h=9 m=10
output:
h=3 m=24
